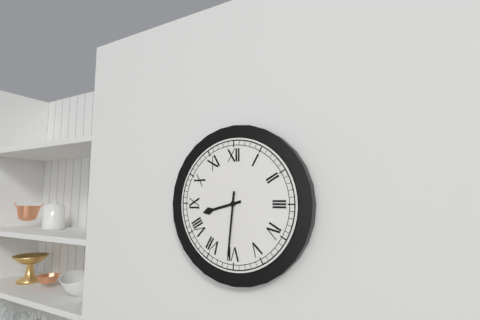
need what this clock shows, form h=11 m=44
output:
h=8 m=31
